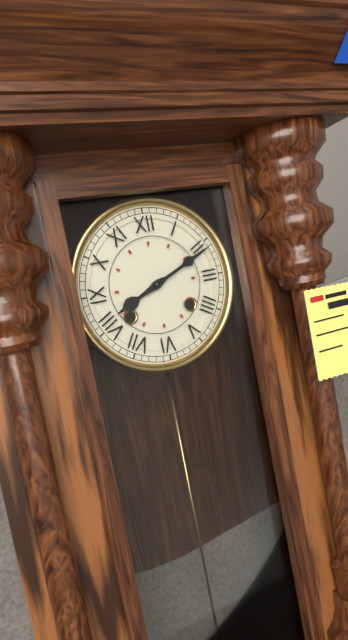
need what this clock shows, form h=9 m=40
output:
h=8 m=11
